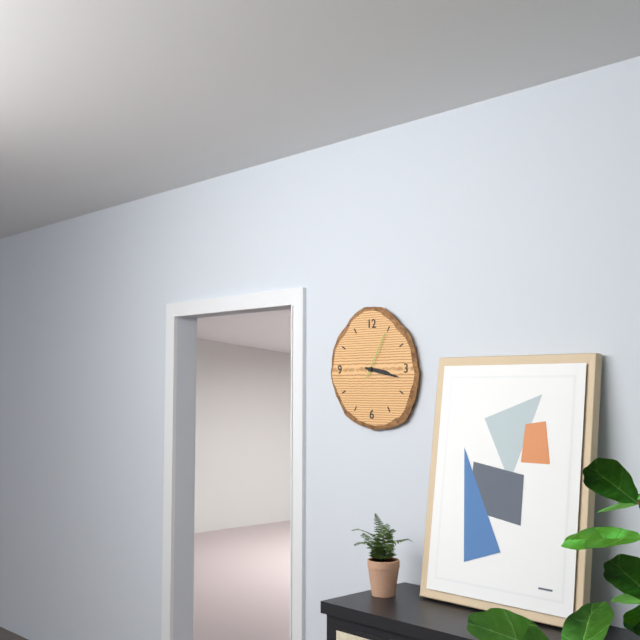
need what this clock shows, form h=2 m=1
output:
h=3 m=17
